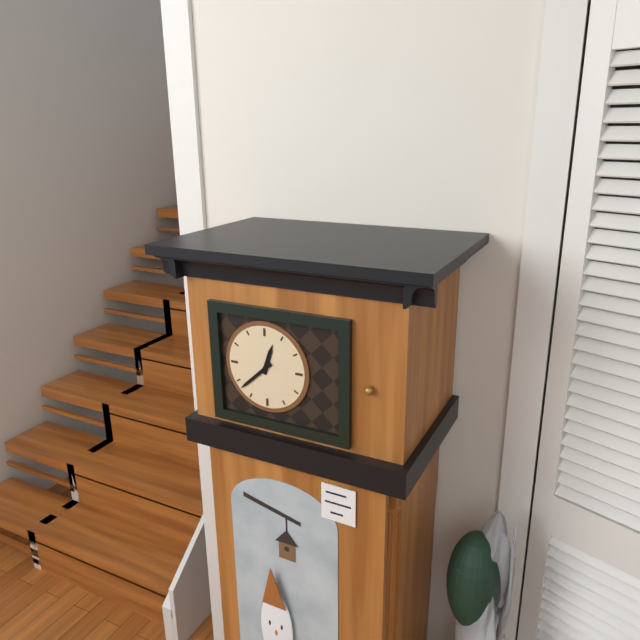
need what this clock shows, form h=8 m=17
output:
h=12 m=38
